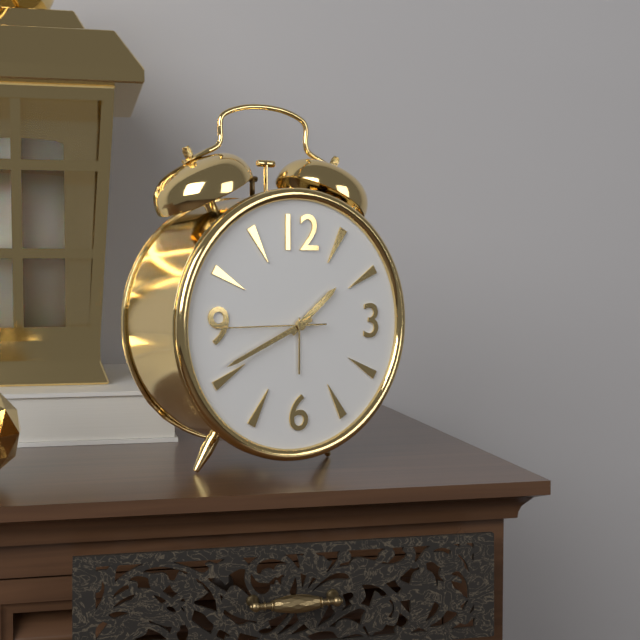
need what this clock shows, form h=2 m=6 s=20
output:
h=1 m=41 s=45
